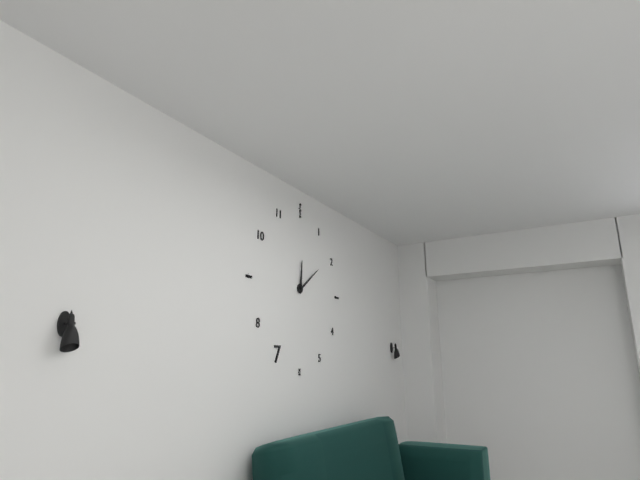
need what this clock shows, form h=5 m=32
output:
h=12 m=9
